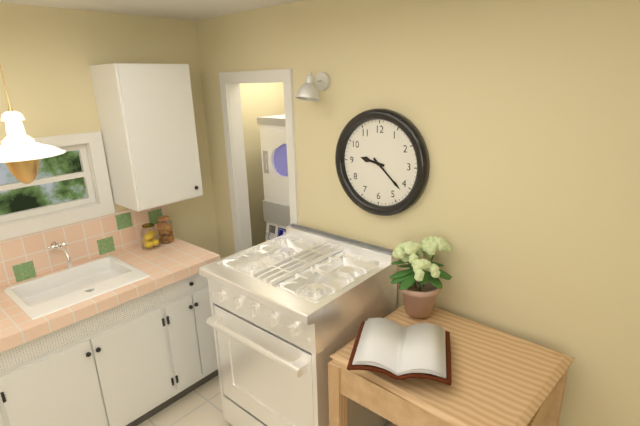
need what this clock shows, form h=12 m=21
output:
h=9 m=22
